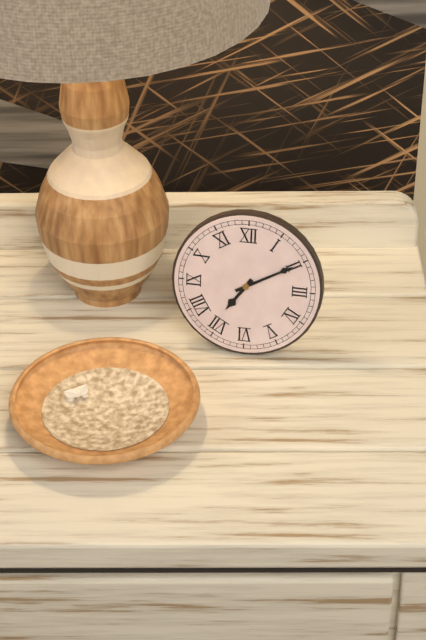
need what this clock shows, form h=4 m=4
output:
h=7 m=10
